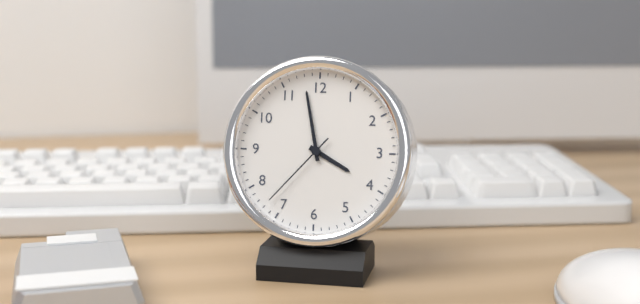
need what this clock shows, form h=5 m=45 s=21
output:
h=3 m=58 s=37
